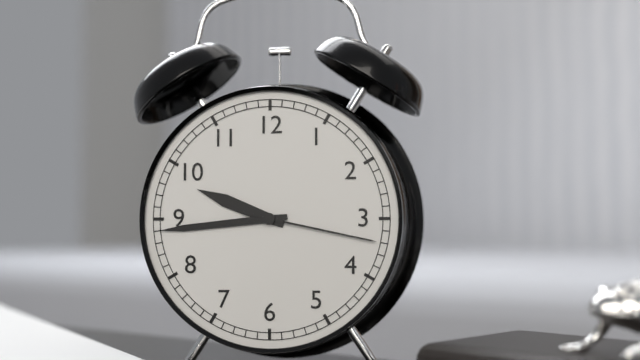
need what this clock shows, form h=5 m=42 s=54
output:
h=9 m=44 s=17
